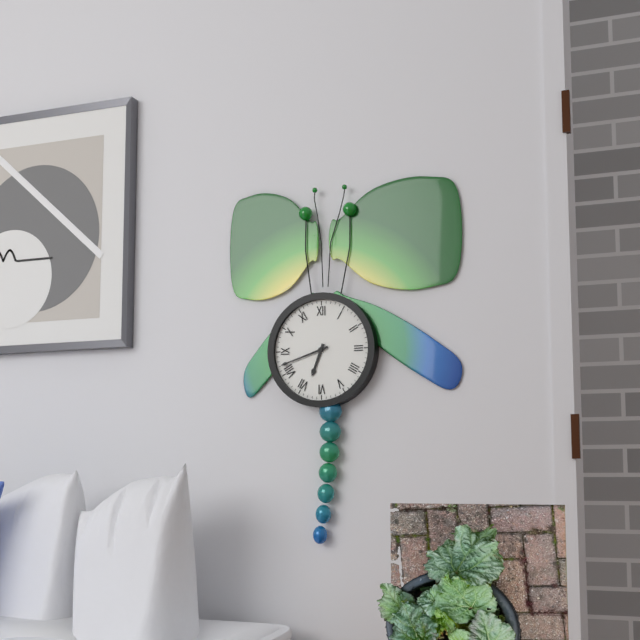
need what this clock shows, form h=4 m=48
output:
h=6 m=42
